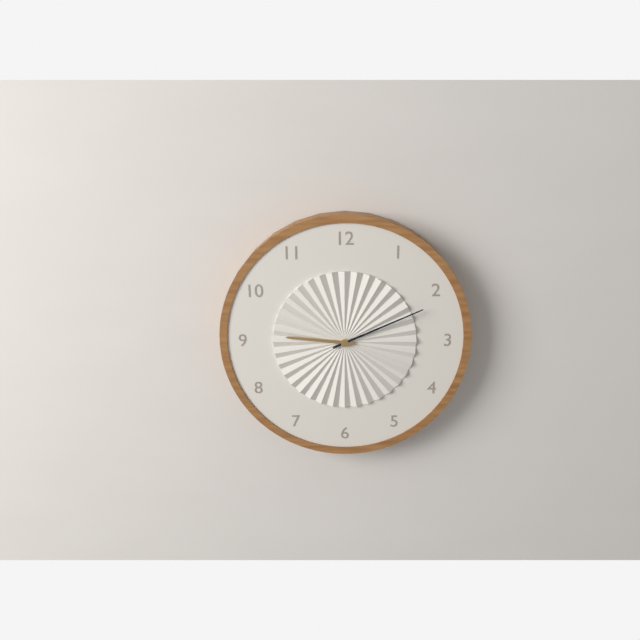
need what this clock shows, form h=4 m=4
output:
h=9 m=11
